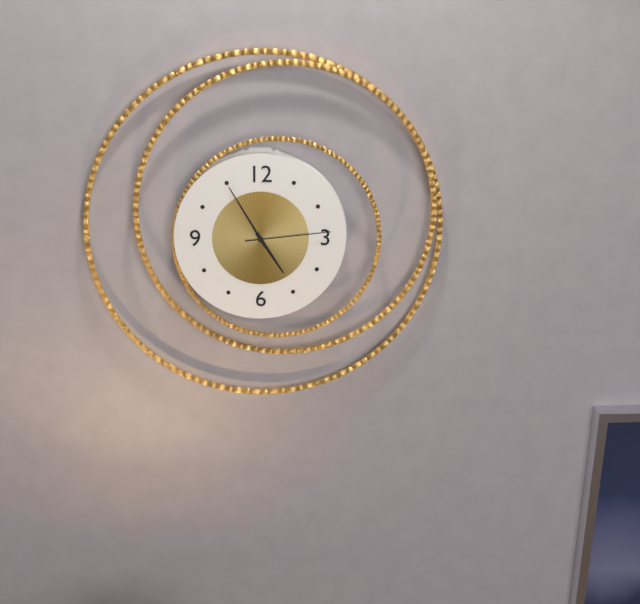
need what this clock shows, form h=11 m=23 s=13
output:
h=4 m=55 s=14
